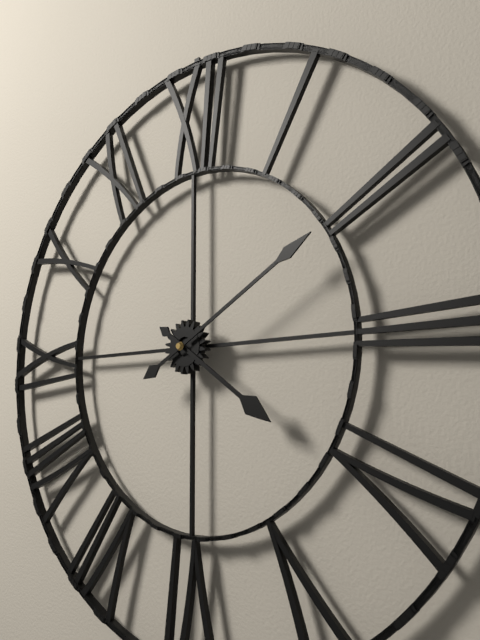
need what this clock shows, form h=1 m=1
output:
h=4 m=10
